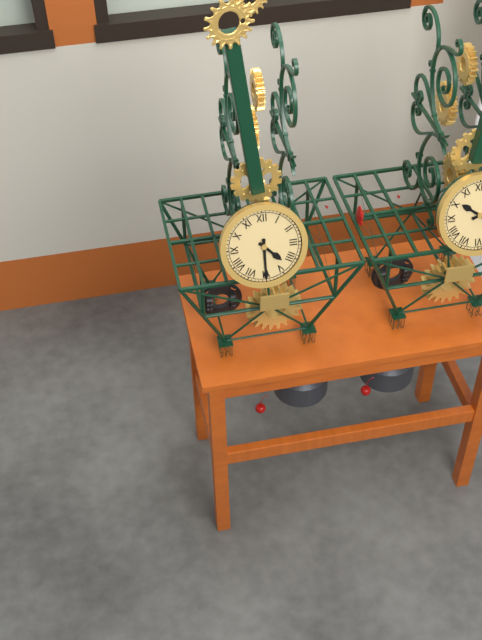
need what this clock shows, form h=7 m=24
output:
h=4 m=30
